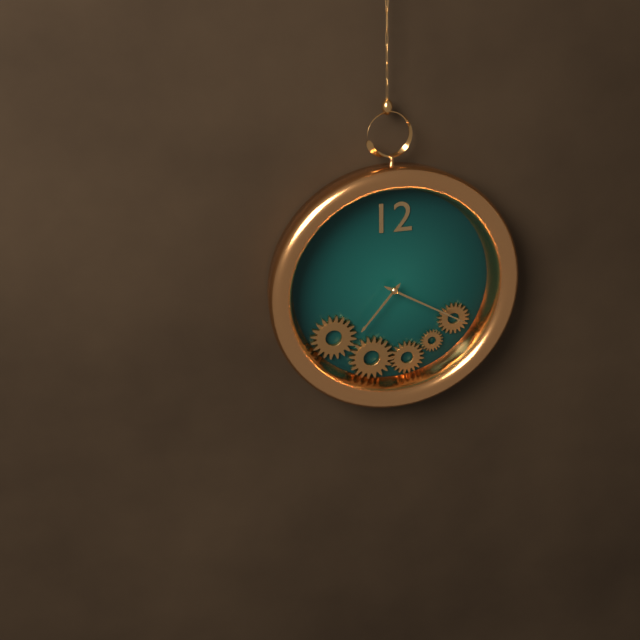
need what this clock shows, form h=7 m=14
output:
h=7 m=20
